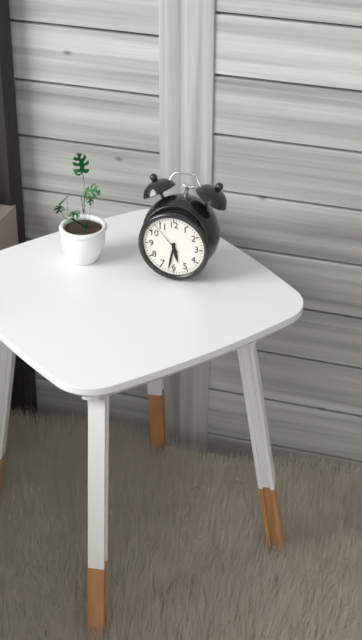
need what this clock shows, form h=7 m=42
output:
h=5 m=32
